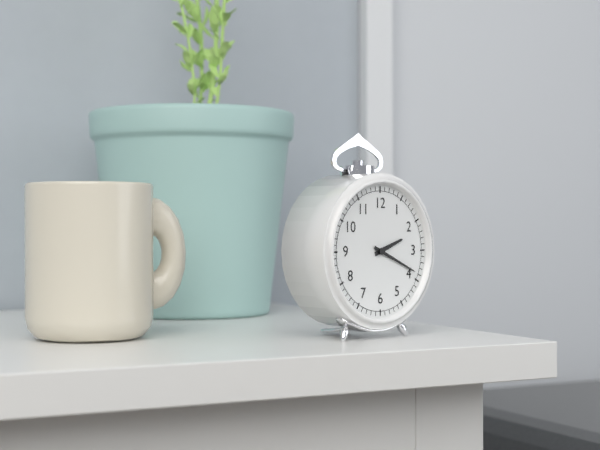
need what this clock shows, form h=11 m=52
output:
h=2 m=19
